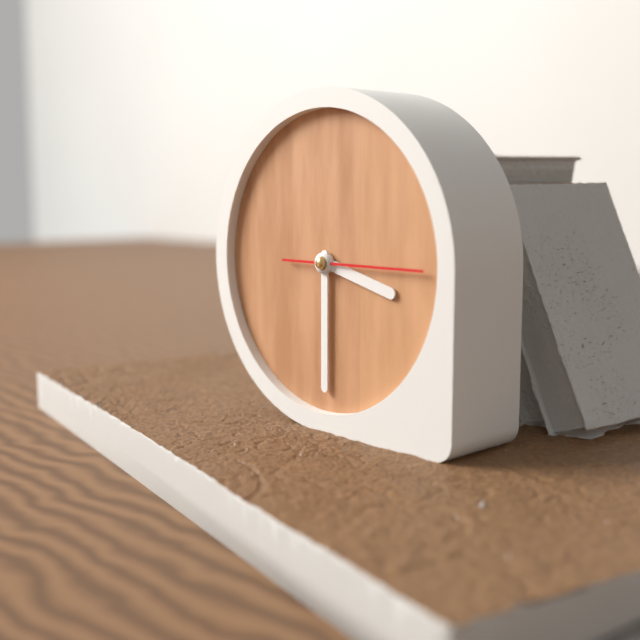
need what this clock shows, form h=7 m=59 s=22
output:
h=3 m=30 s=15
